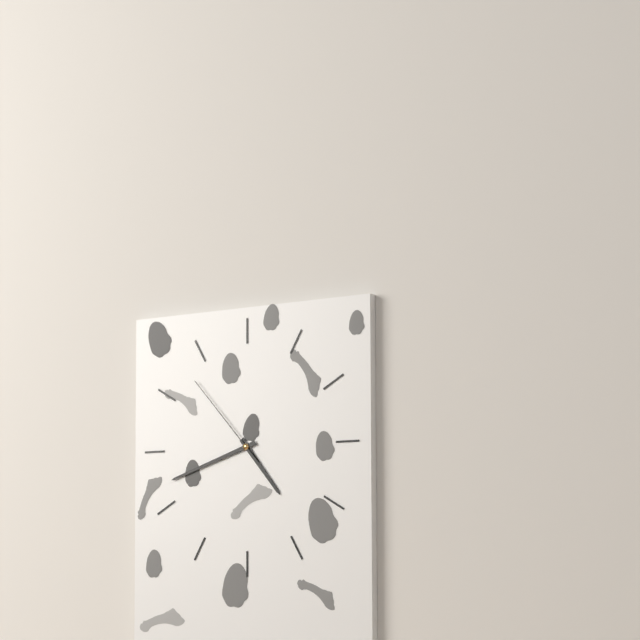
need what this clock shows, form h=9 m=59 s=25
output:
h=4 m=42 s=53
